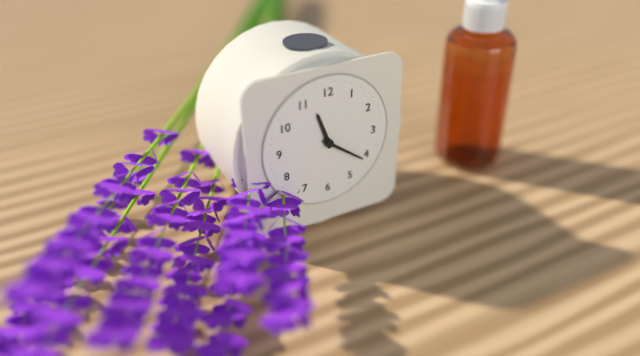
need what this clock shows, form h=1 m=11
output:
h=11 m=21
